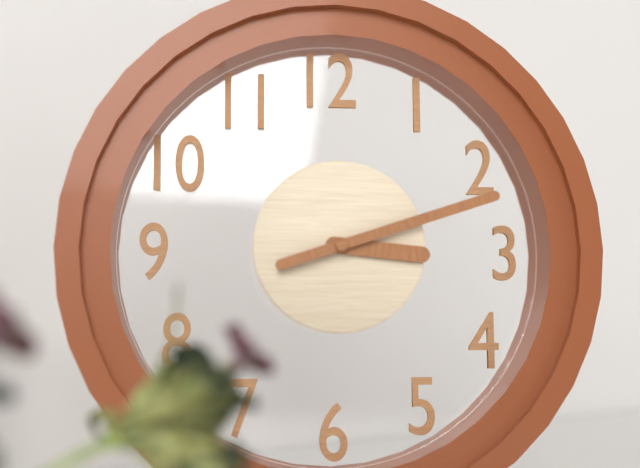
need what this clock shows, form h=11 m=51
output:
h=3 m=12
